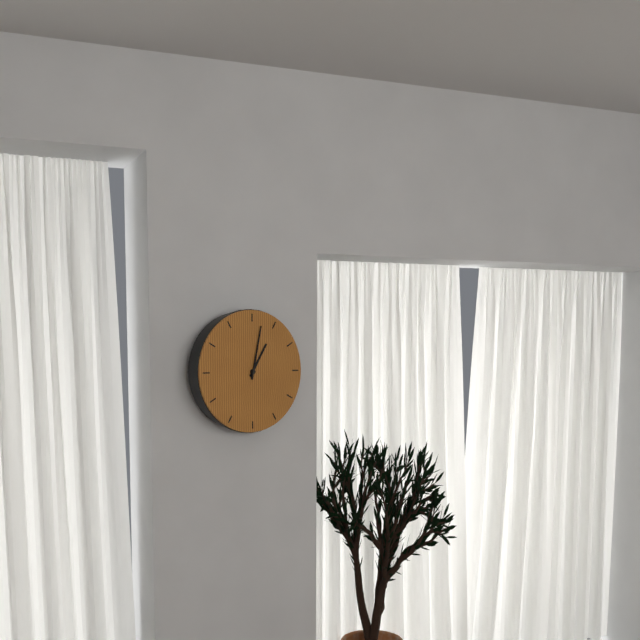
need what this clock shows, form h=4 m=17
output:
h=1 m=2
